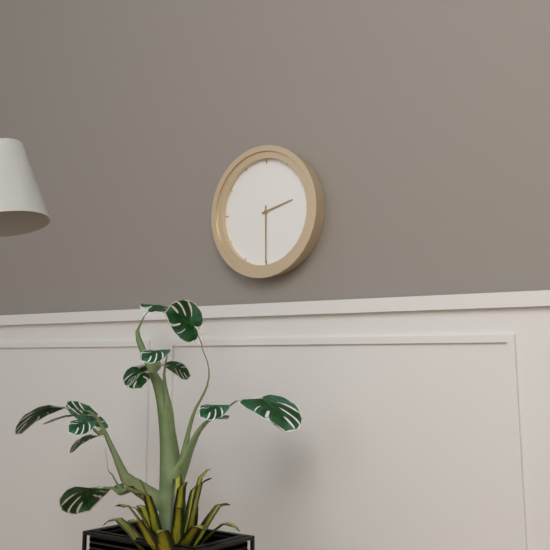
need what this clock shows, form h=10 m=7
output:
h=2 m=30
